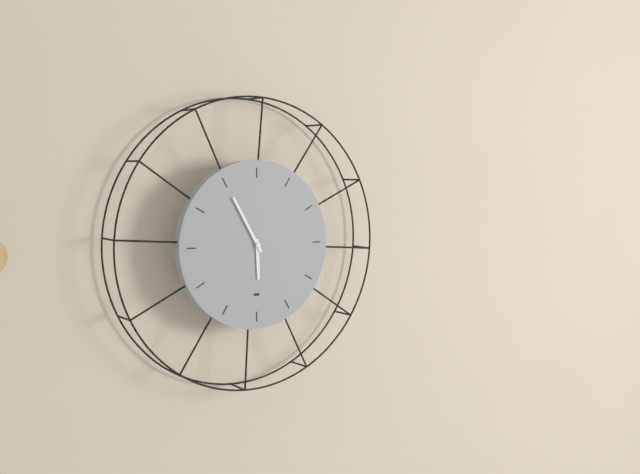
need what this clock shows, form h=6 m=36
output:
h=5 m=55
